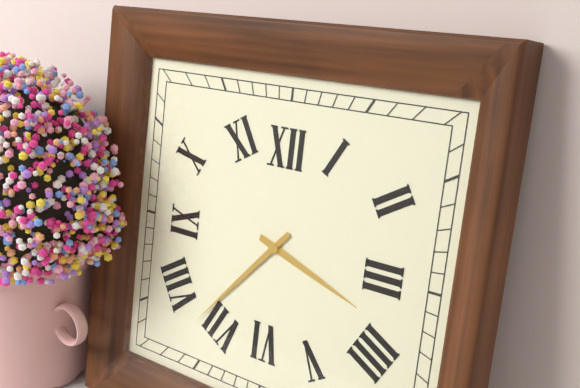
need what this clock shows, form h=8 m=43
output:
h=3 m=37
